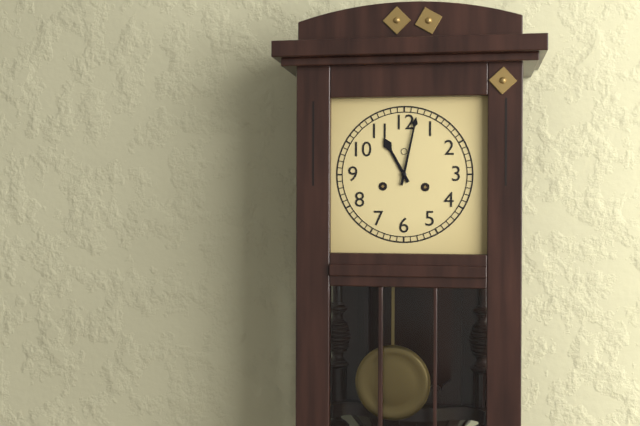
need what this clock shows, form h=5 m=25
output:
h=11 m=2
